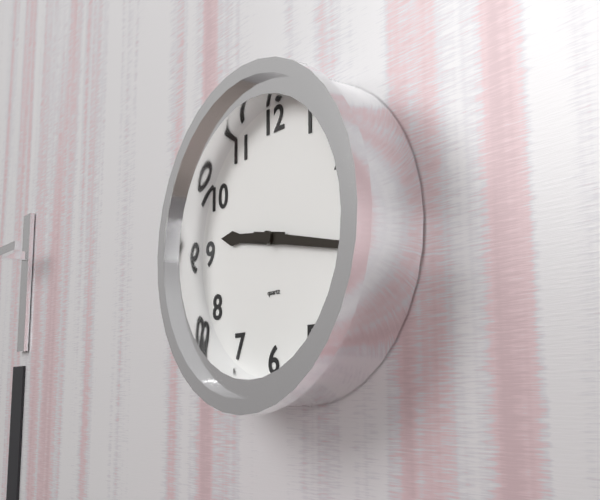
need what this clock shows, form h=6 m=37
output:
h=9 m=17
